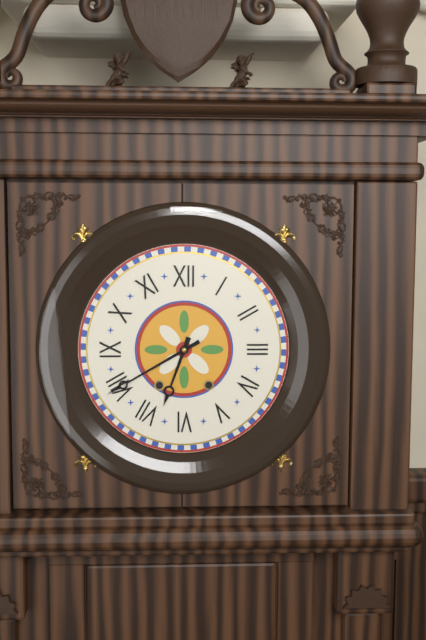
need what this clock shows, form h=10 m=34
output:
h=6 m=40
